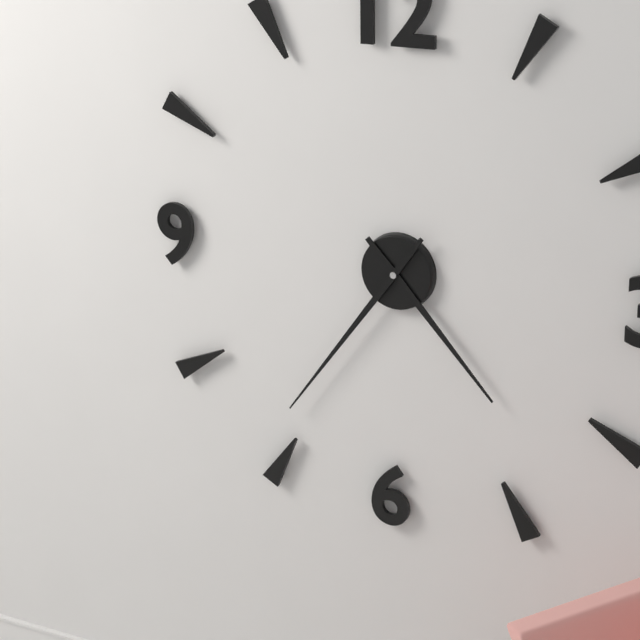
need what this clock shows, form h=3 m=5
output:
h=4 m=36
